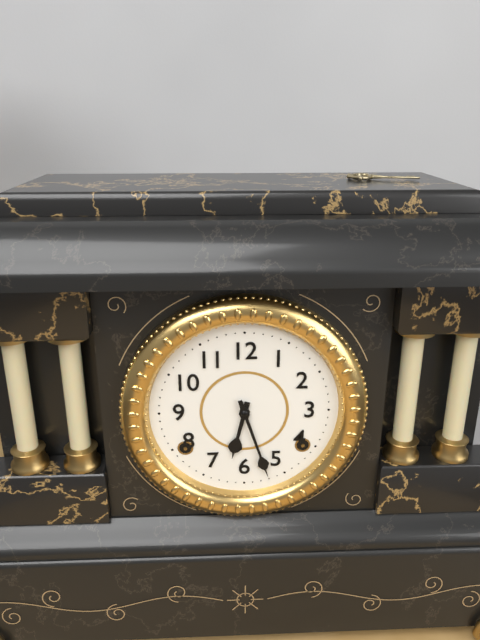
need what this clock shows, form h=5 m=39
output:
h=6 m=27
